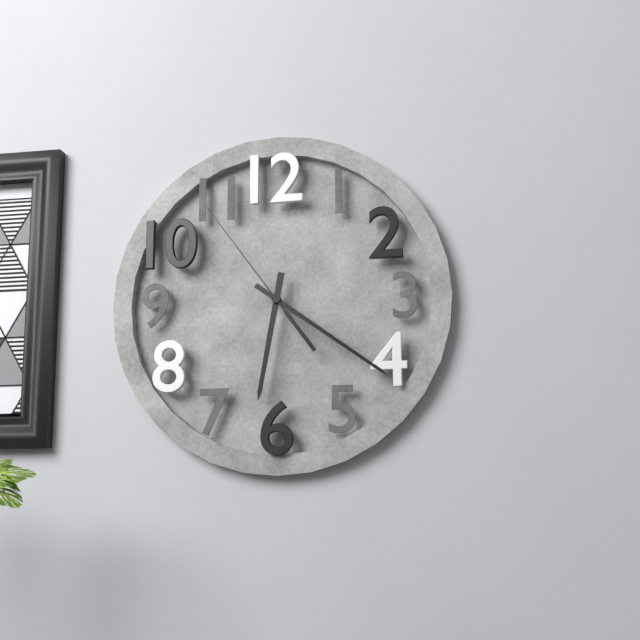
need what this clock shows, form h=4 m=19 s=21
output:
h=6 m=21 s=54
